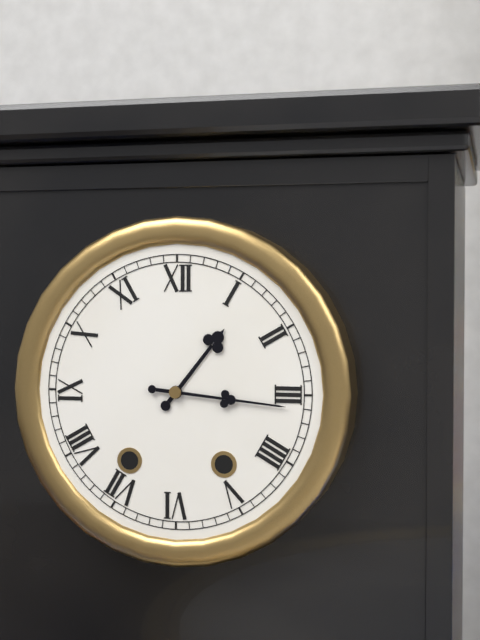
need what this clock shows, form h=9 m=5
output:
h=1 m=16
